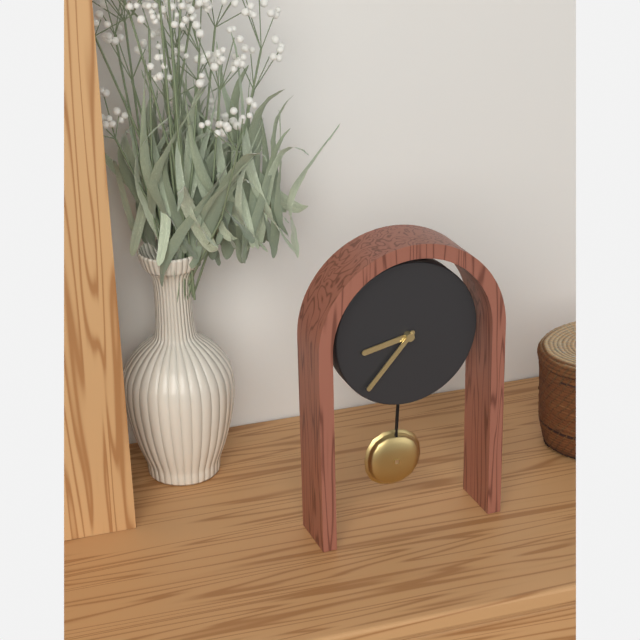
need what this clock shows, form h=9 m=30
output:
h=8 m=37
